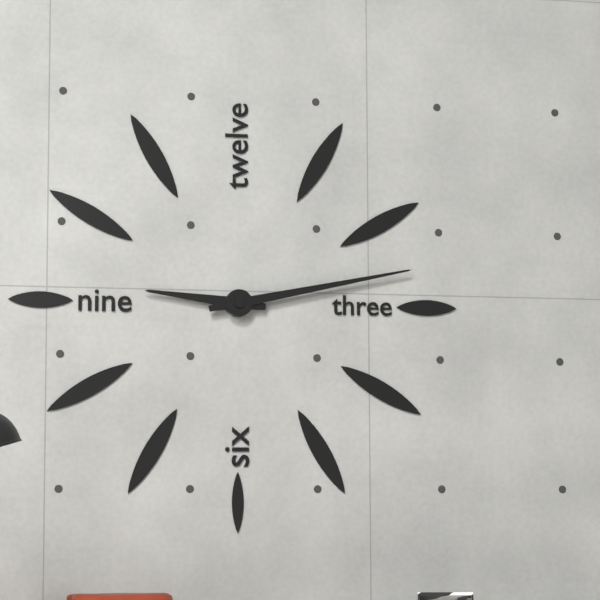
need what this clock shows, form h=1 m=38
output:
h=9 m=13
